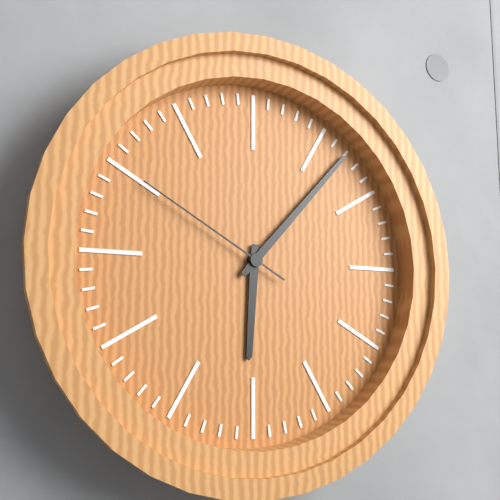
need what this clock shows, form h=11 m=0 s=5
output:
h=6 m=7 s=50
